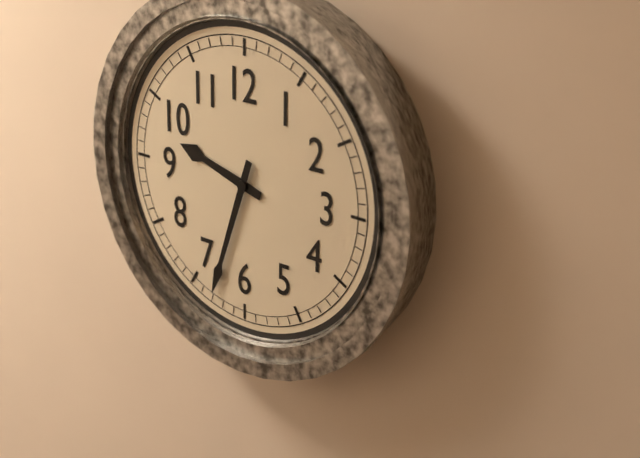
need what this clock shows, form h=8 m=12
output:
h=9 m=33
